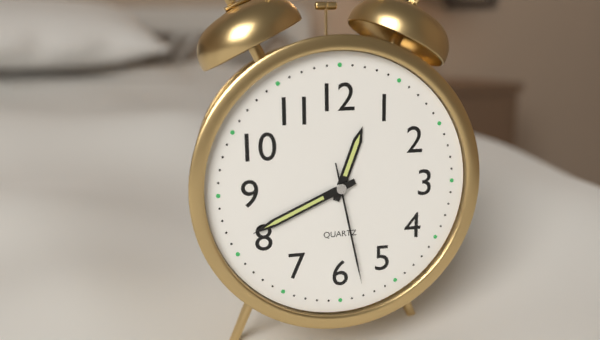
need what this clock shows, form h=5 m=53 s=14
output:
h=12 m=41 s=28
